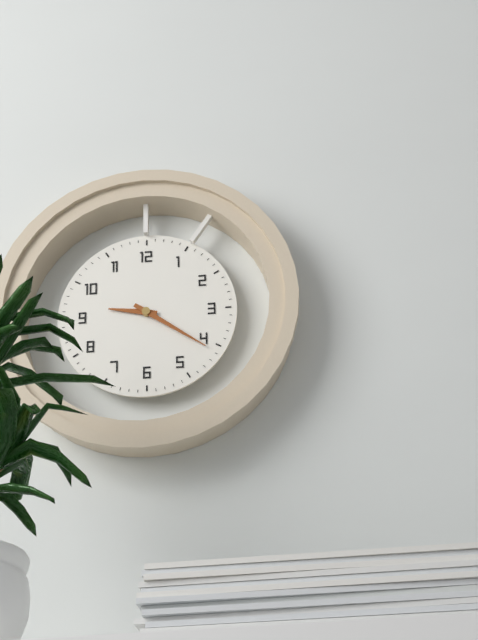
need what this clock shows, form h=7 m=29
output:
h=9 m=21
